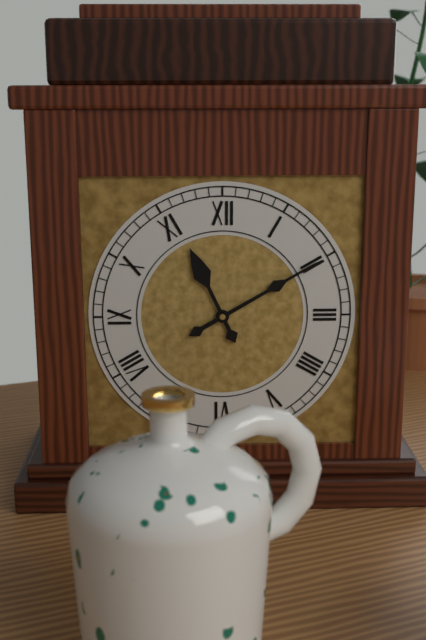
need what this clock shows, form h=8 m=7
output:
h=11 m=10
